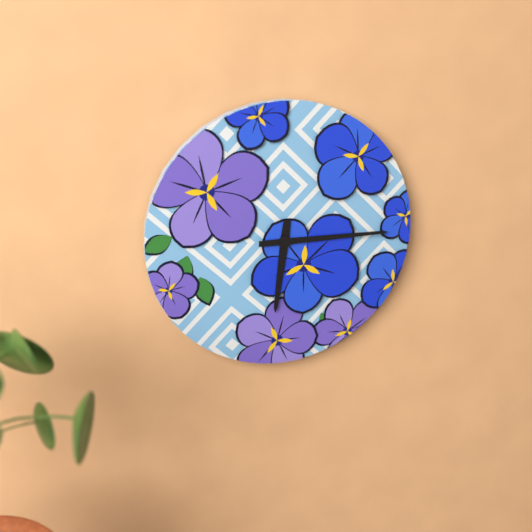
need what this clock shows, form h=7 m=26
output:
h=6 m=15
